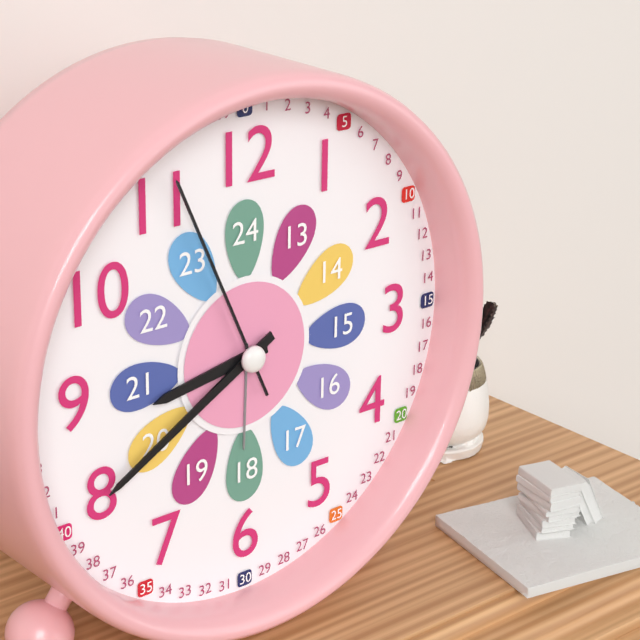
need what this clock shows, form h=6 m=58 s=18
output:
h=8 m=40 s=56
